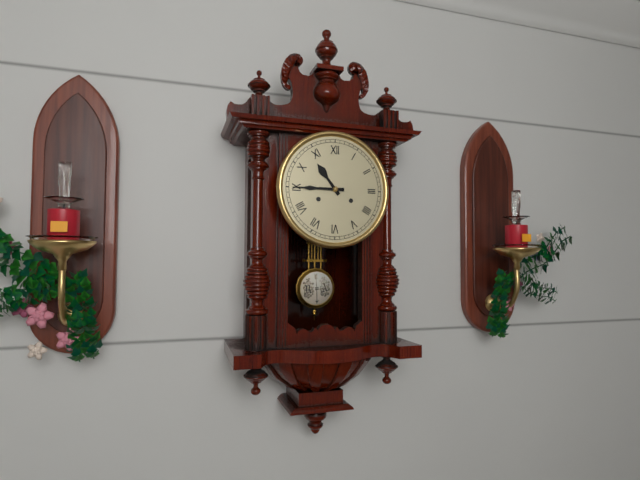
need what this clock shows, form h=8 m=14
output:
h=10 m=45
